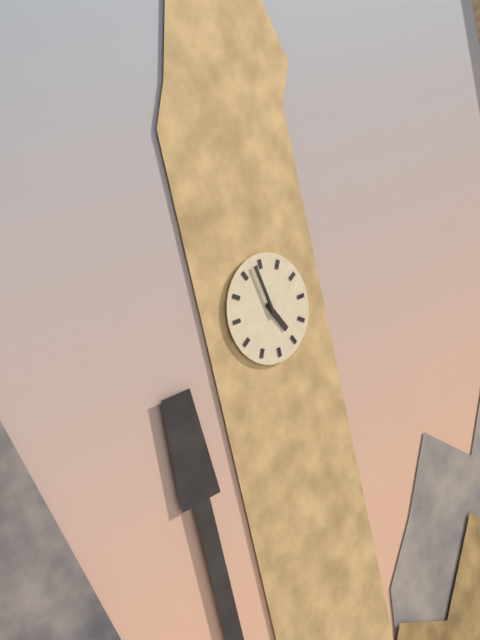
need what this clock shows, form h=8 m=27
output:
h=4 m=58
